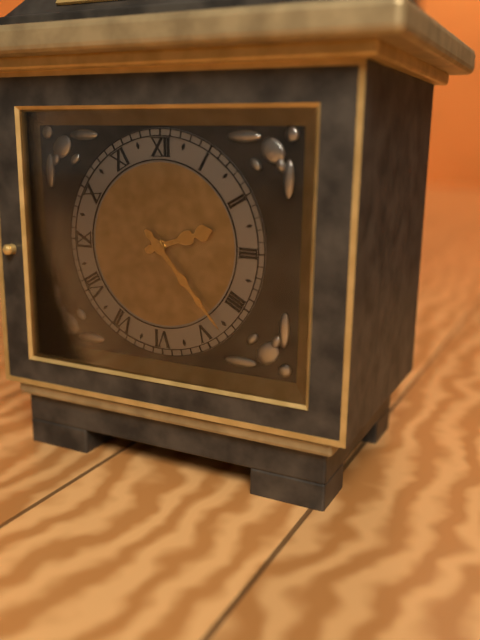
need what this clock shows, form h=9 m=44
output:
h=2 m=23
